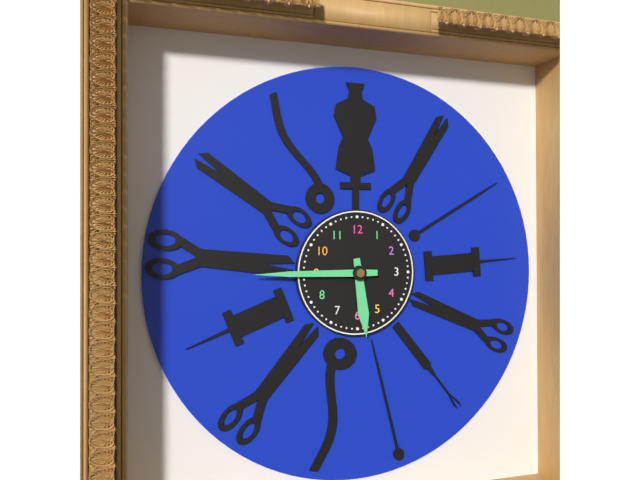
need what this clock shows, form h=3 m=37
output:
h=5 m=45
